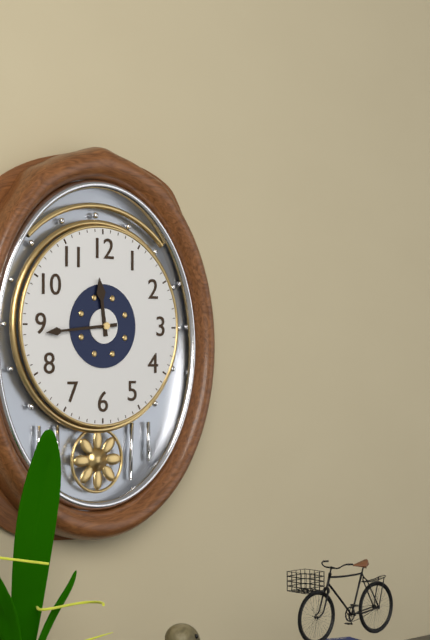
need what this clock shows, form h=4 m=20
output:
h=11 m=44
